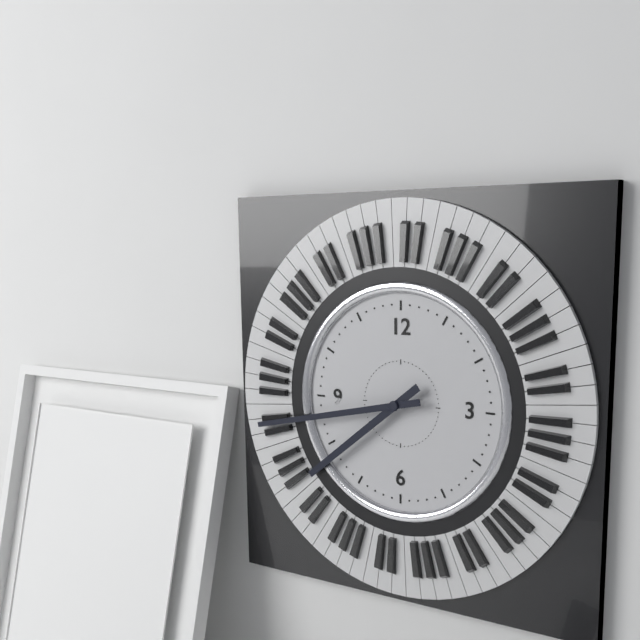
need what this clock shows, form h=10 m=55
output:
h=7 m=43
